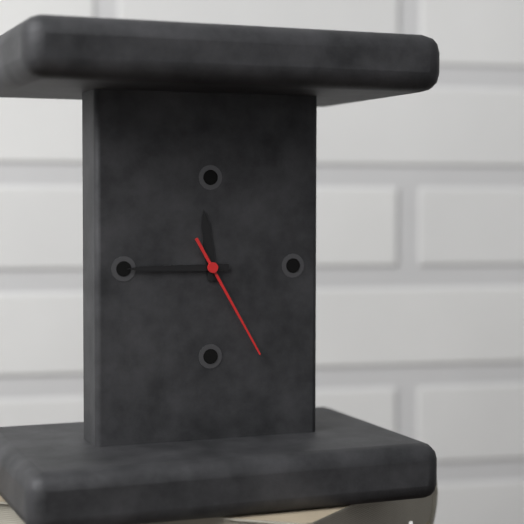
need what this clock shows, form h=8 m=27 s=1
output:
h=11 m=45 s=25
